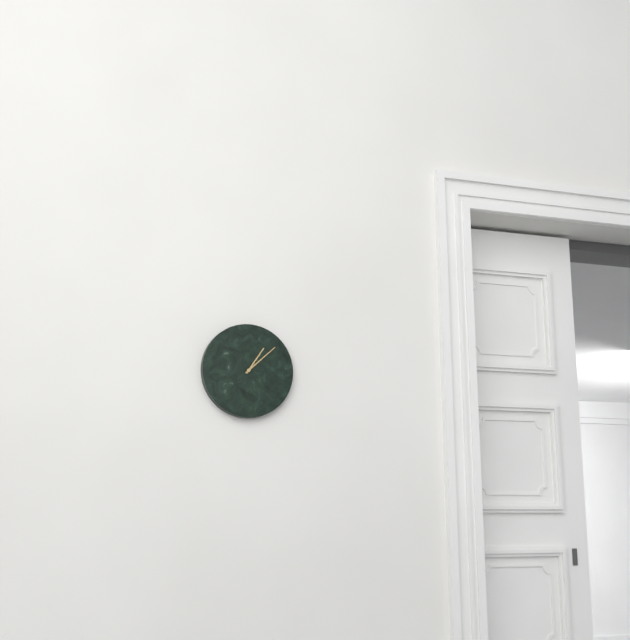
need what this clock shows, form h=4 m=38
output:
h=1 m=8
